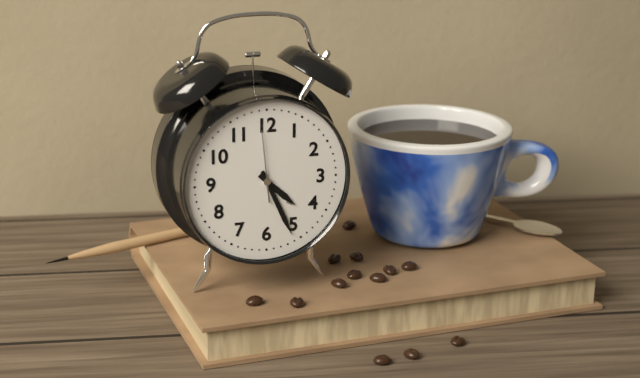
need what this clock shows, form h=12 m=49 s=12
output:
h=4 m=26 s=59
